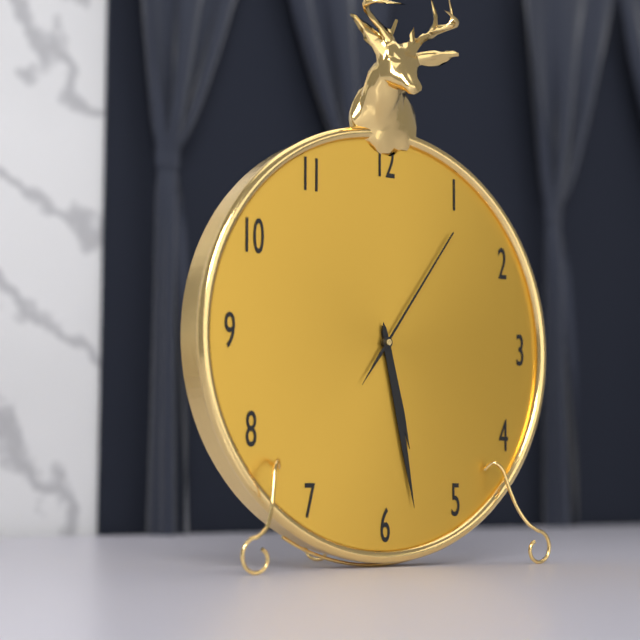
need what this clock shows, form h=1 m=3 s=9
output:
h=5 m=28 s=6
